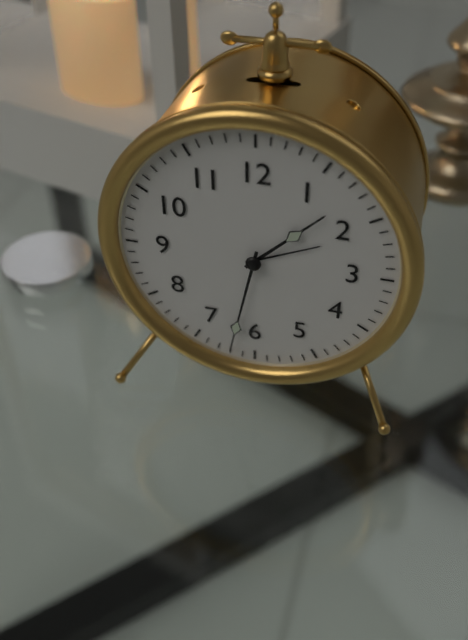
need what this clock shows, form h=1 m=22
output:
h=1 m=32
